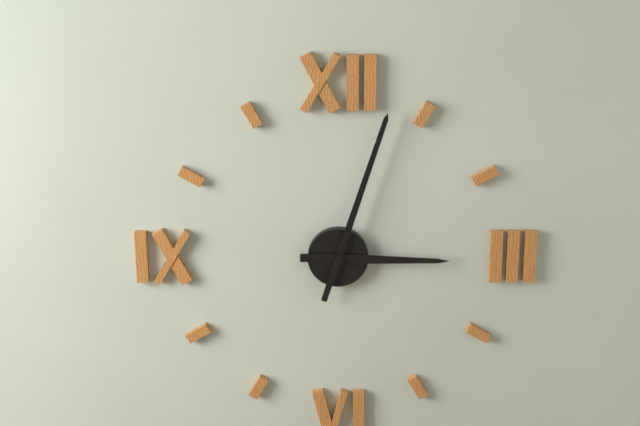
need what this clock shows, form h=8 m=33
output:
h=3 m=3
